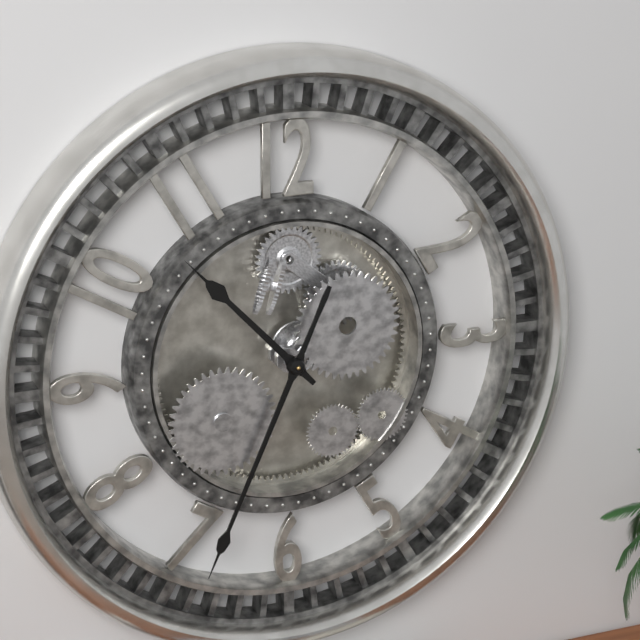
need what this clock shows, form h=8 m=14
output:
h=10 m=34
